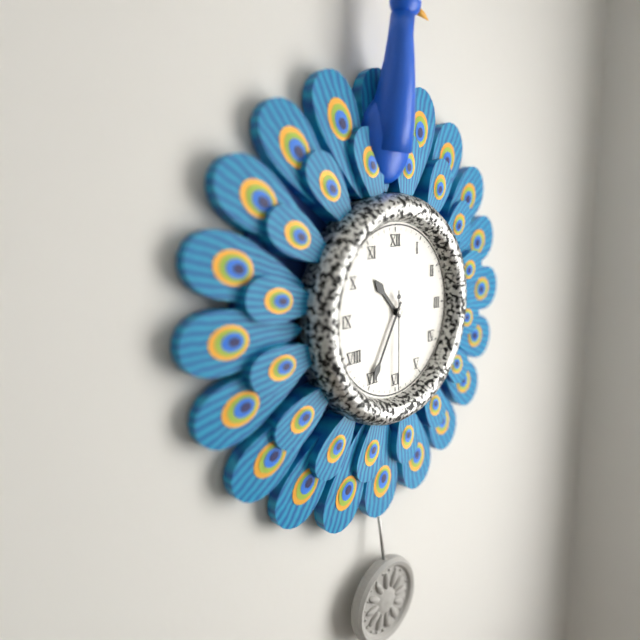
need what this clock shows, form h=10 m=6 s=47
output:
h=10 m=35 s=30
